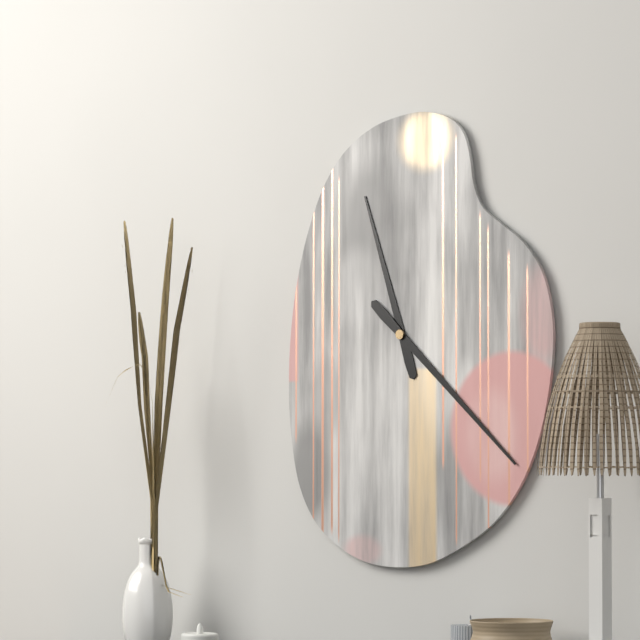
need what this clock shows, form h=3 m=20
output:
h=11 m=22
